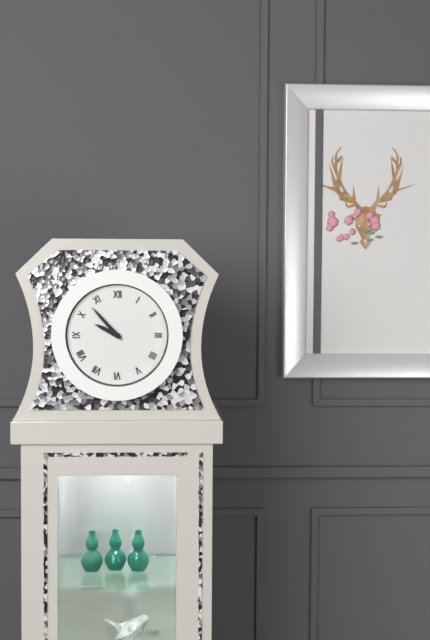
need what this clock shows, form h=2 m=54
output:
h=9 m=53
